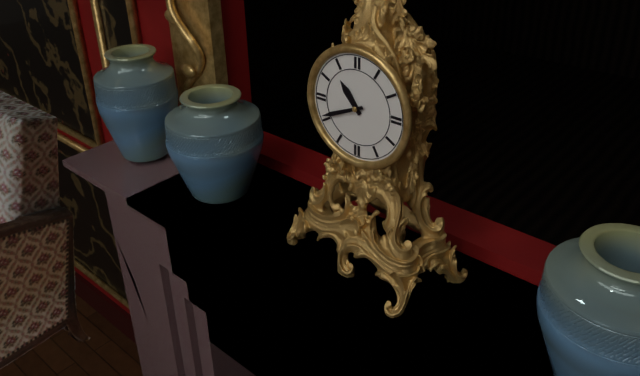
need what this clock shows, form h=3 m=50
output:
h=10 m=41
